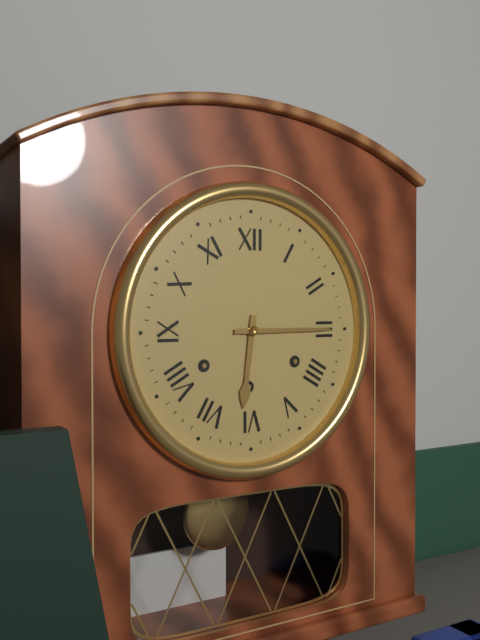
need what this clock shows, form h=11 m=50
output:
h=6 m=15
